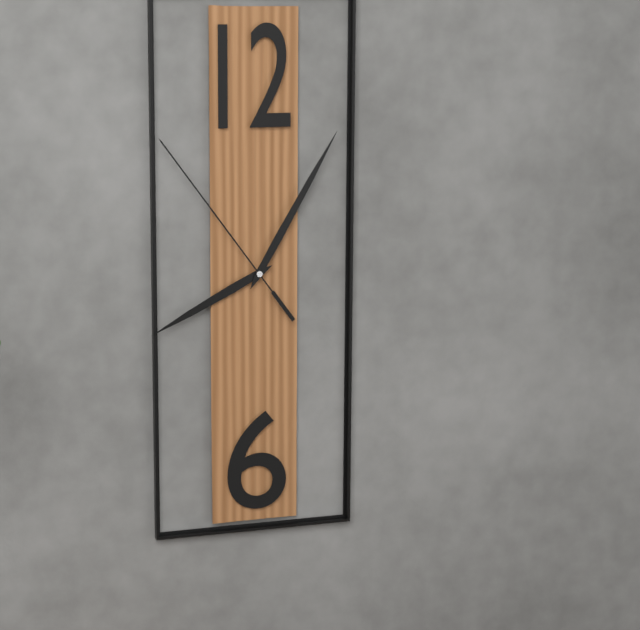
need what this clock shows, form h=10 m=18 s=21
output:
h=8 m=5 s=54
